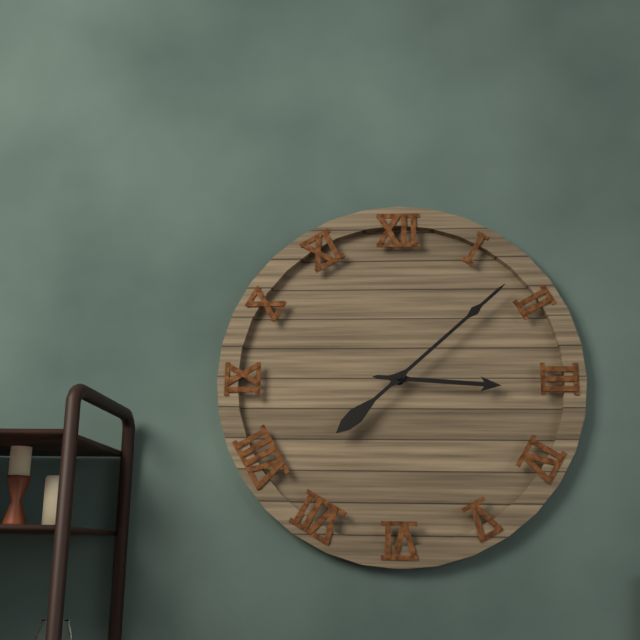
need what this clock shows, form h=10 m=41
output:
h=3 m=8
